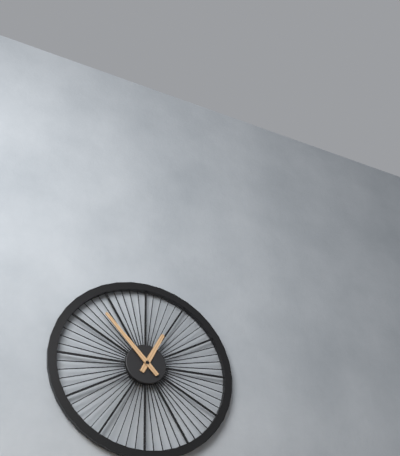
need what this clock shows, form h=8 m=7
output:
h=12 m=53
